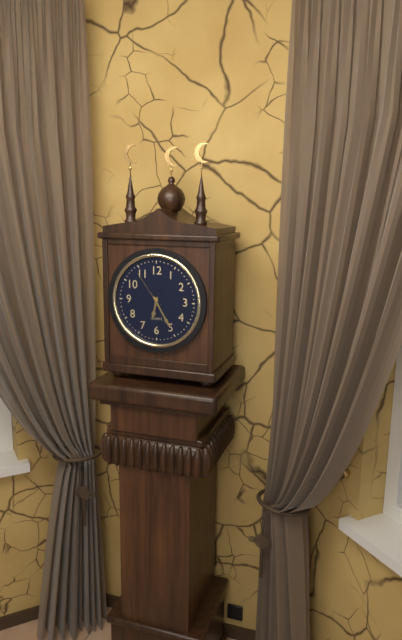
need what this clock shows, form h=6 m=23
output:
h=6 m=25
